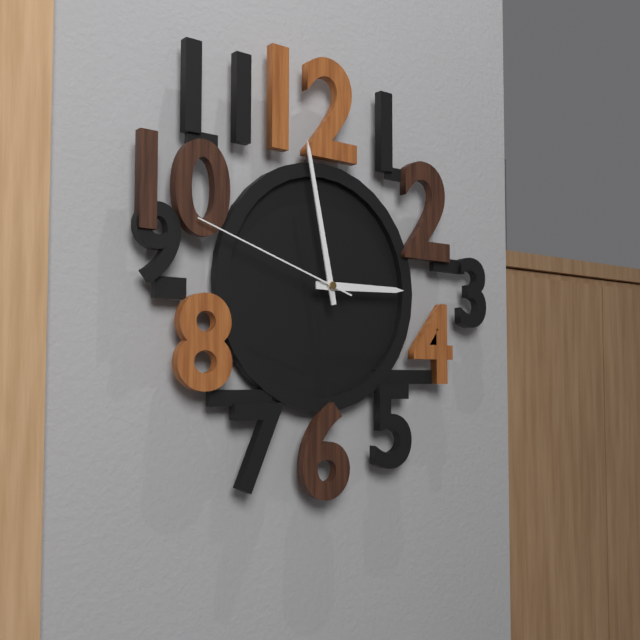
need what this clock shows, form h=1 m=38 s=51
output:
h=2 m=58 s=48
